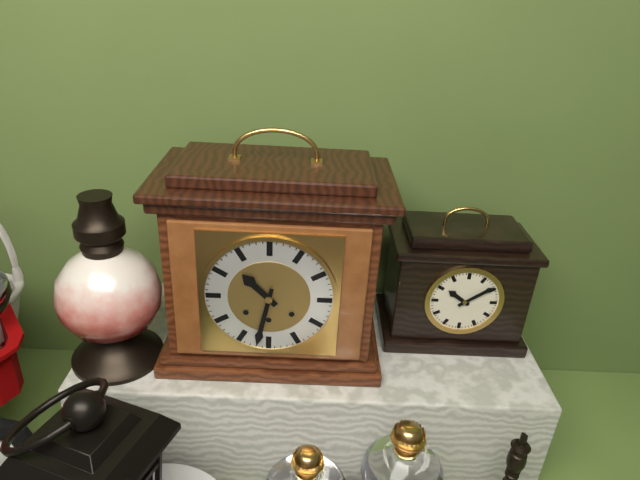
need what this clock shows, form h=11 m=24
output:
h=10 m=32
